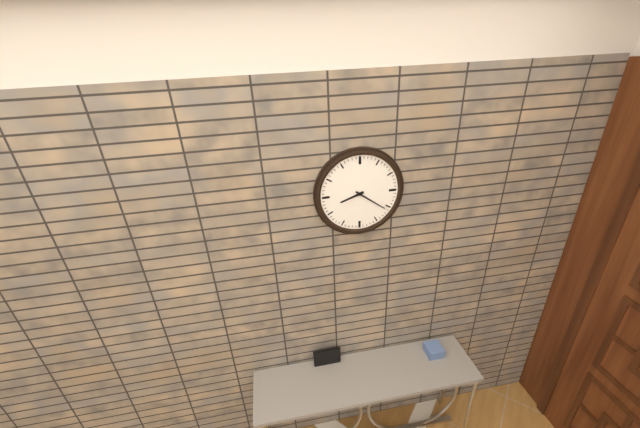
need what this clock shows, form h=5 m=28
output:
h=8 m=21
